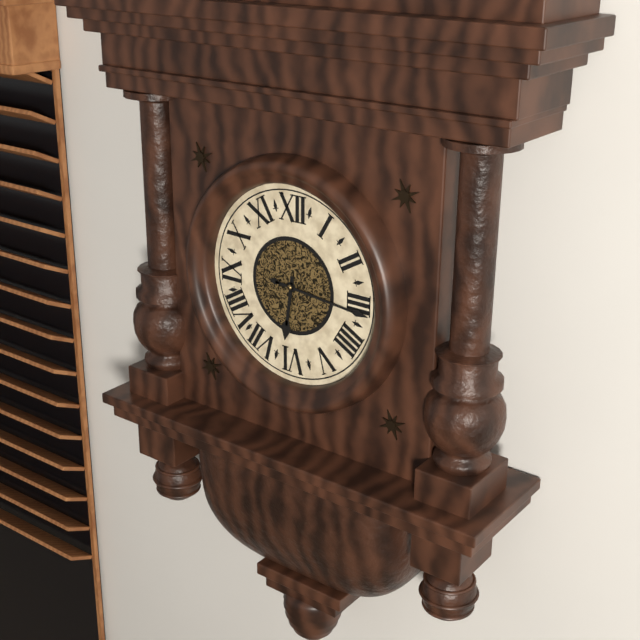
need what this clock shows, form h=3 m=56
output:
h=6 m=16
